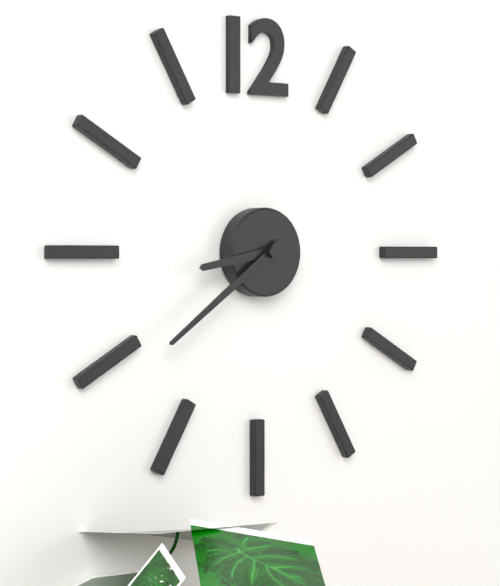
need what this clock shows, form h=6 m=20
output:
h=8 m=39
